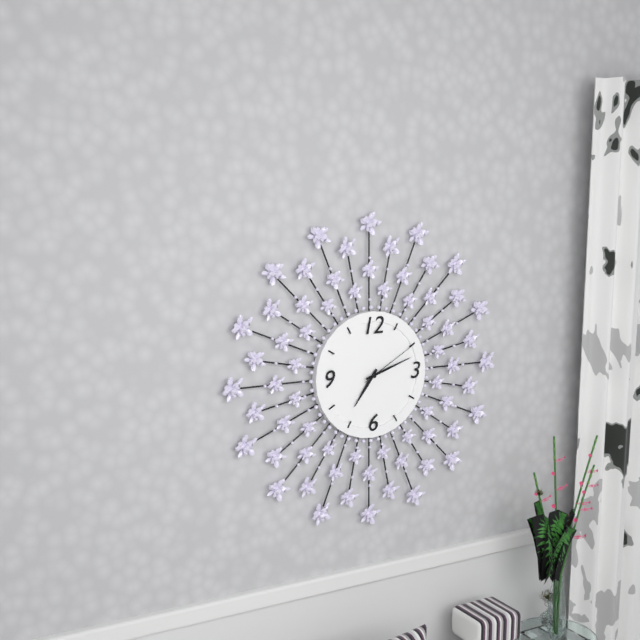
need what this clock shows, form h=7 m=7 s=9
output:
h=7 m=12 s=10
